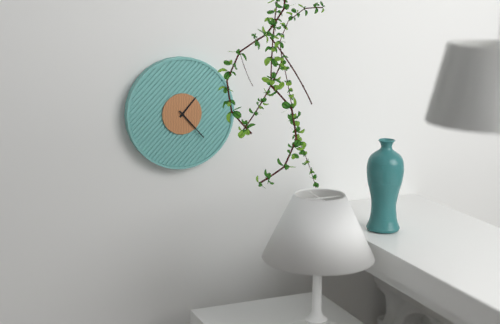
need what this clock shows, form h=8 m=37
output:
h=1 m=23
